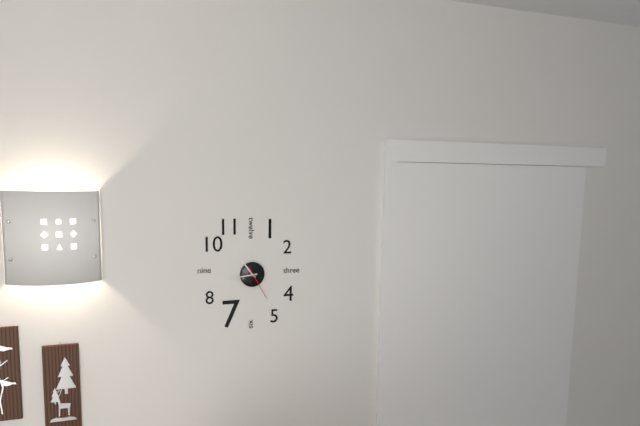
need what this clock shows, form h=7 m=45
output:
h=10 m=44
